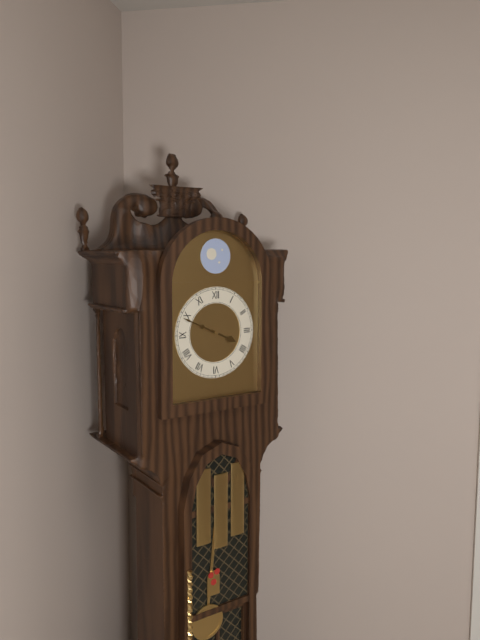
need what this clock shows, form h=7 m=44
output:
h=3 m=49
